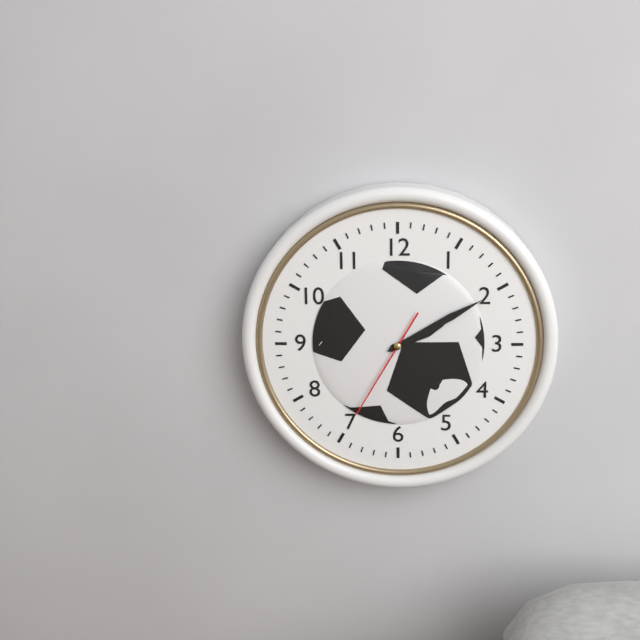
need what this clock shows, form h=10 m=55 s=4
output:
h=2 m=10 s=35
